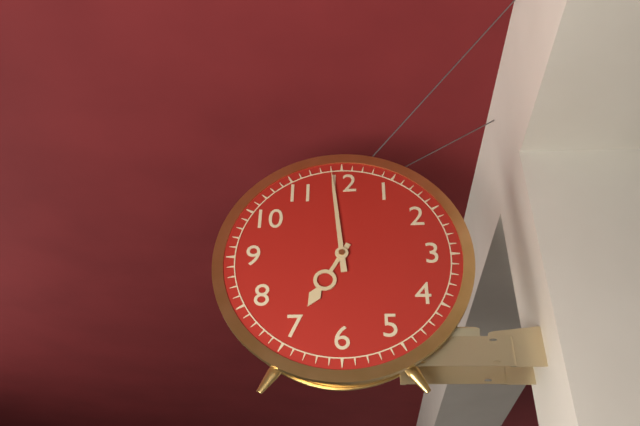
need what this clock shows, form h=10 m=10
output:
h=6 m=59
